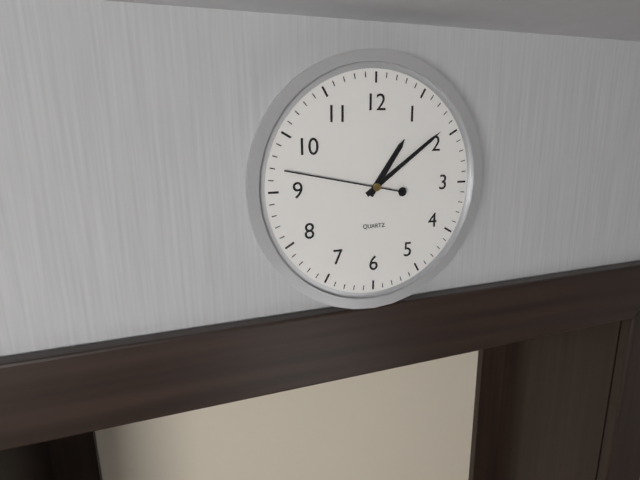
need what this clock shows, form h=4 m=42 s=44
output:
h=1 m=9 s=47
